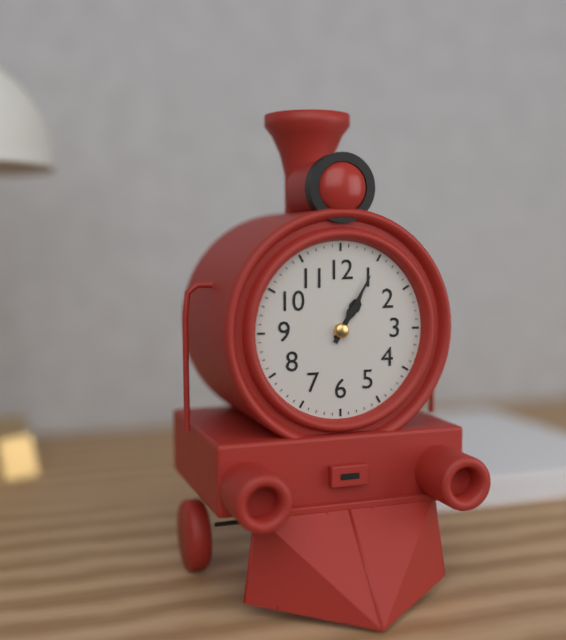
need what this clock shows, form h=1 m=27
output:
h=1 m=5
